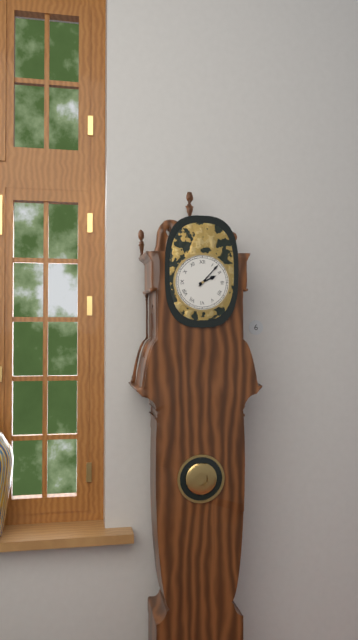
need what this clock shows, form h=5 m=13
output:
h=2 m=7
